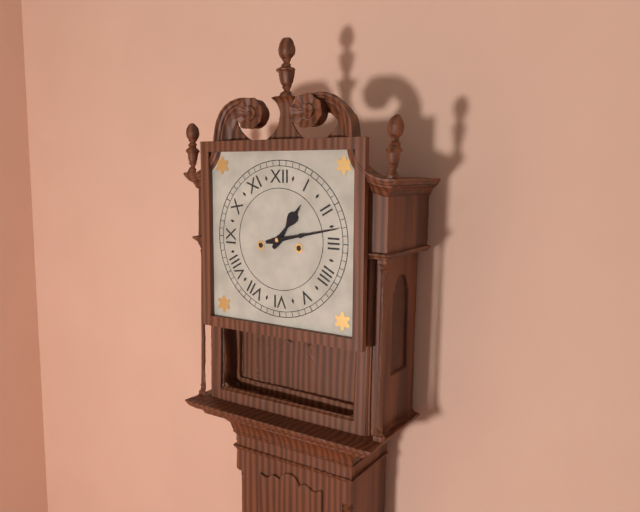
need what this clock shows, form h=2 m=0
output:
h=1 m=13
